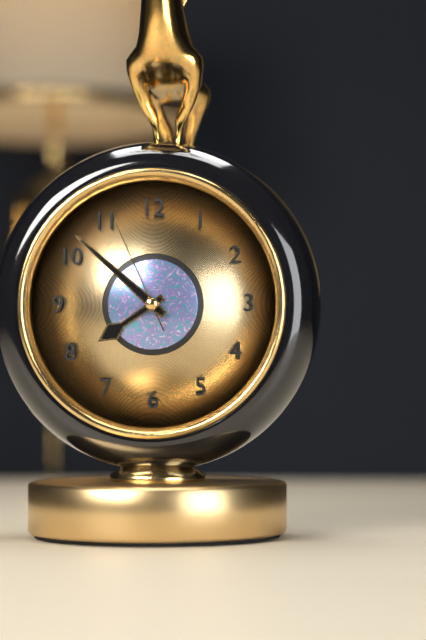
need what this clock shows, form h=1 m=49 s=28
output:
h=7 m=52 s=56
